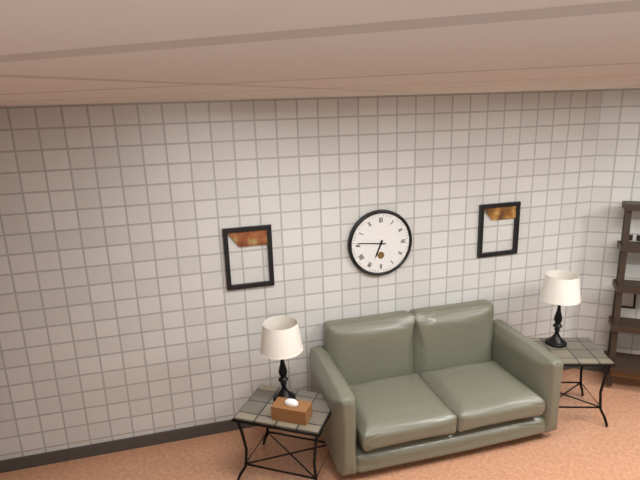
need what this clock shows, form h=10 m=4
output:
h=6 m=46
